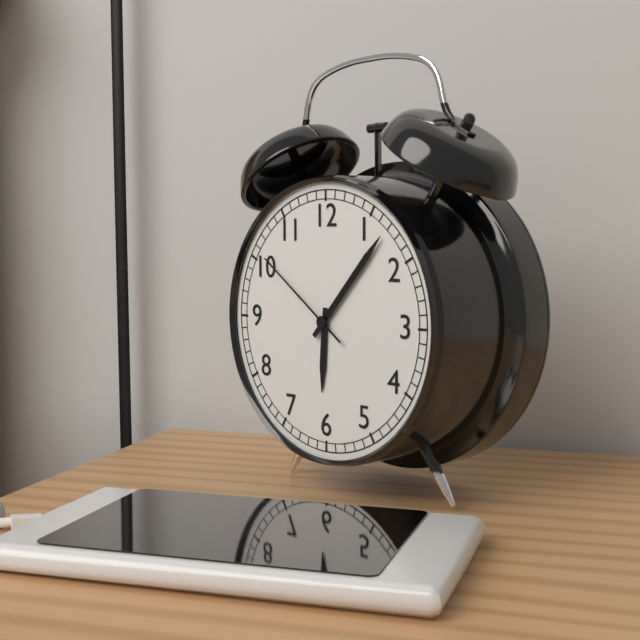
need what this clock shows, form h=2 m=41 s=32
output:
h=6 m=7 s=51
